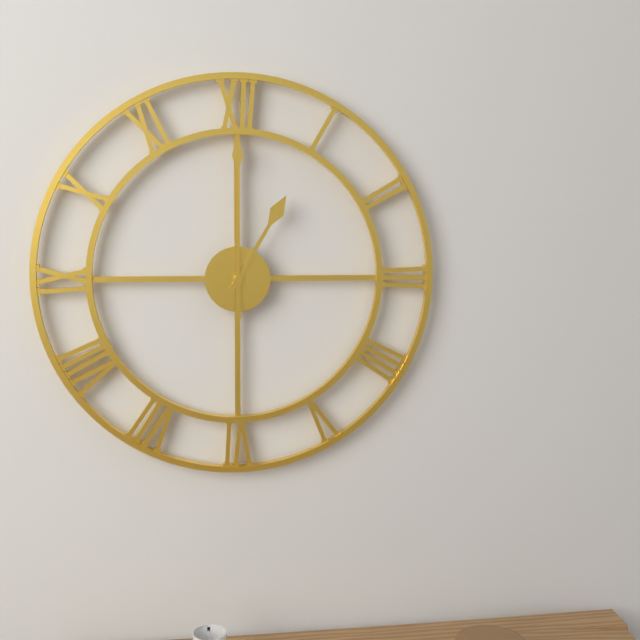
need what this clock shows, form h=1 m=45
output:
h=1 m=0
